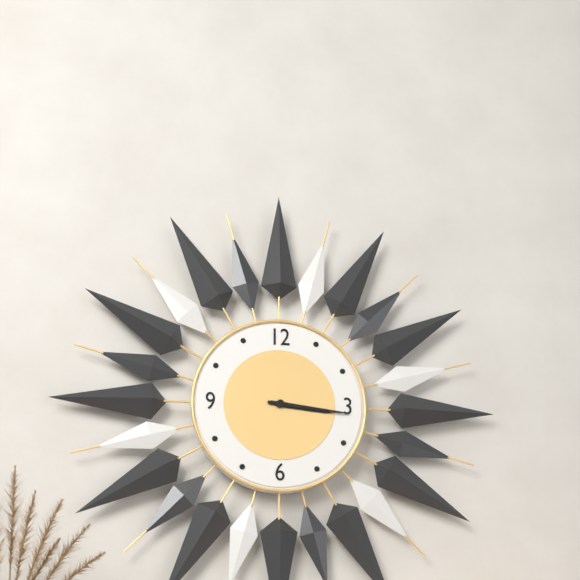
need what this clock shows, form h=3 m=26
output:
h=3 m=16
